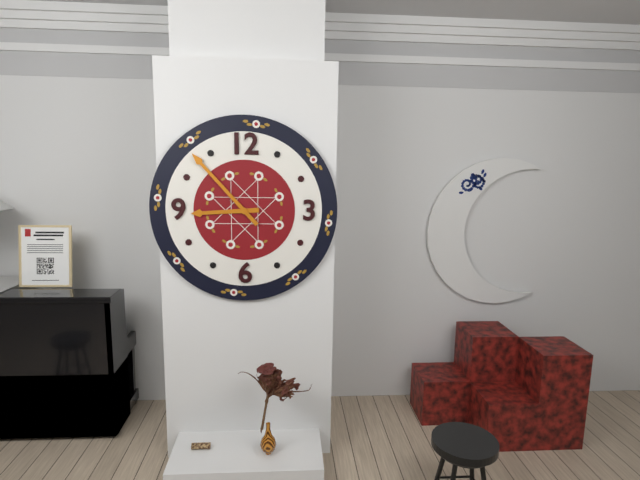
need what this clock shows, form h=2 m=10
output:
h=8 m=53
